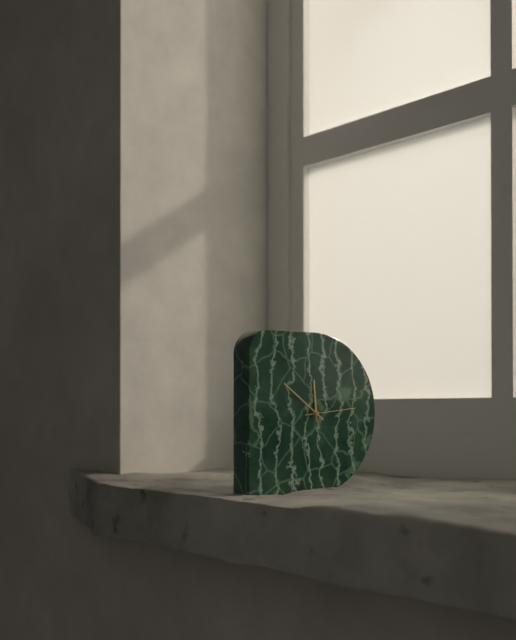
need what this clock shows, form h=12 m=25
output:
h=11 m=51
